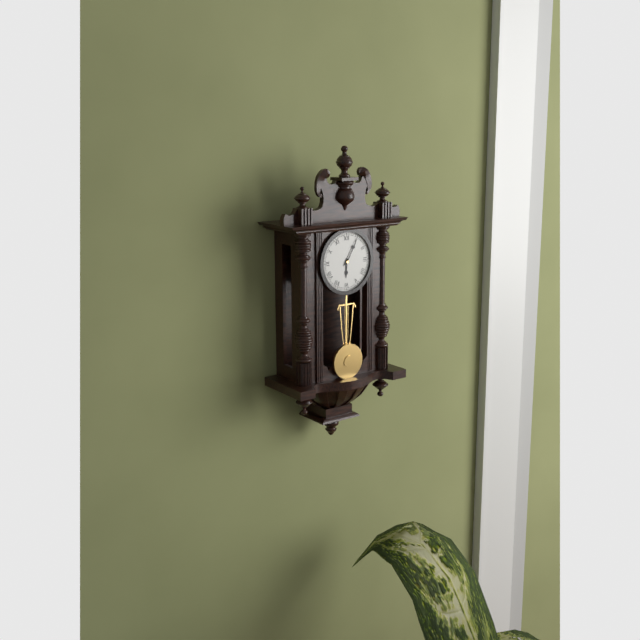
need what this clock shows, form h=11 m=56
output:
h=6 m=5
